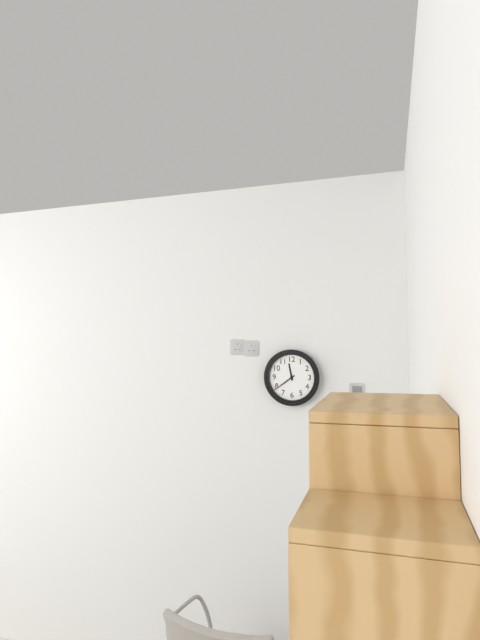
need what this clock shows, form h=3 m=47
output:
h=11 m=39
